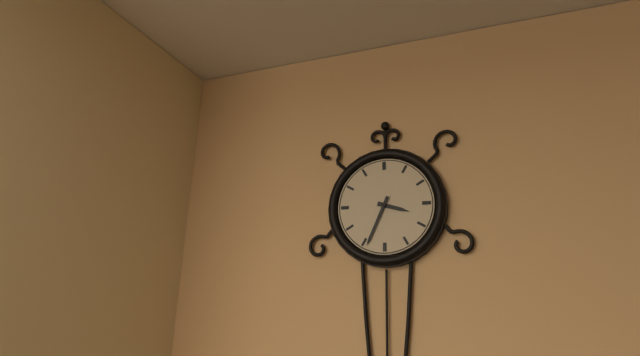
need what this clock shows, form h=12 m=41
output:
h=3 m=34
